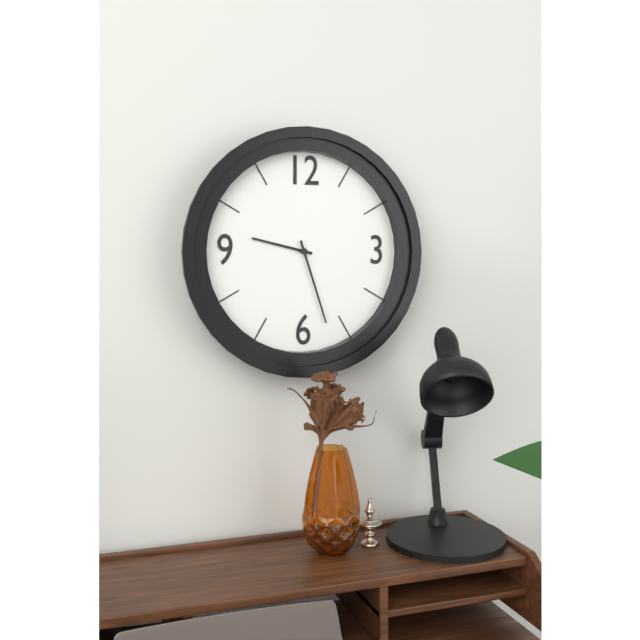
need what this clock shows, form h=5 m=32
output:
h=9 m=27
